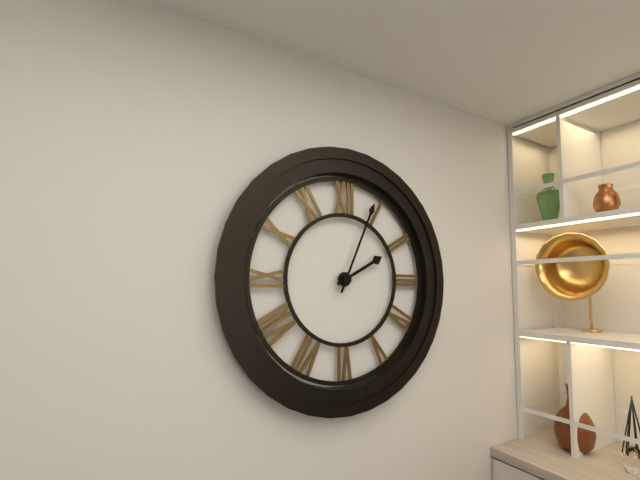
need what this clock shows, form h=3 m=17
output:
h=2 m=4
